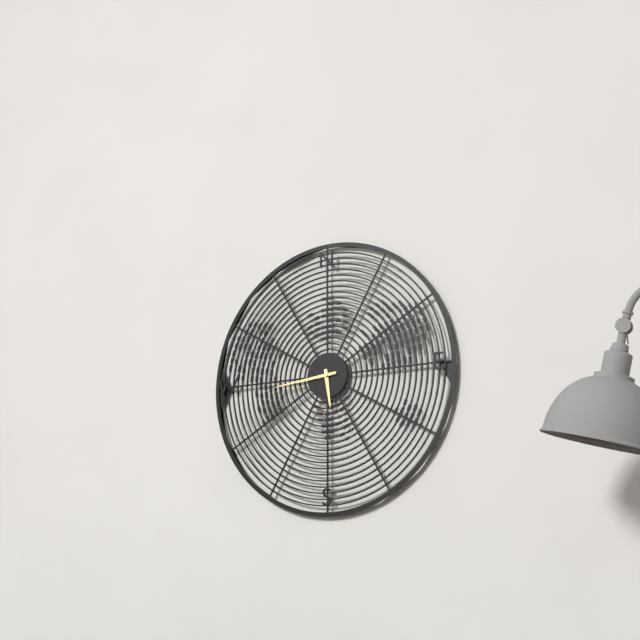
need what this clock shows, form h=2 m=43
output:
h=5 m=44
